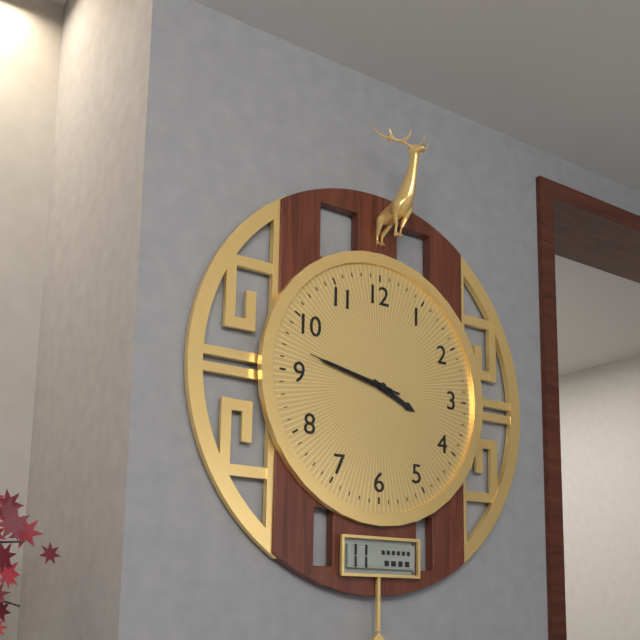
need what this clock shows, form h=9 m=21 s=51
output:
h=3 m=47 s=47
